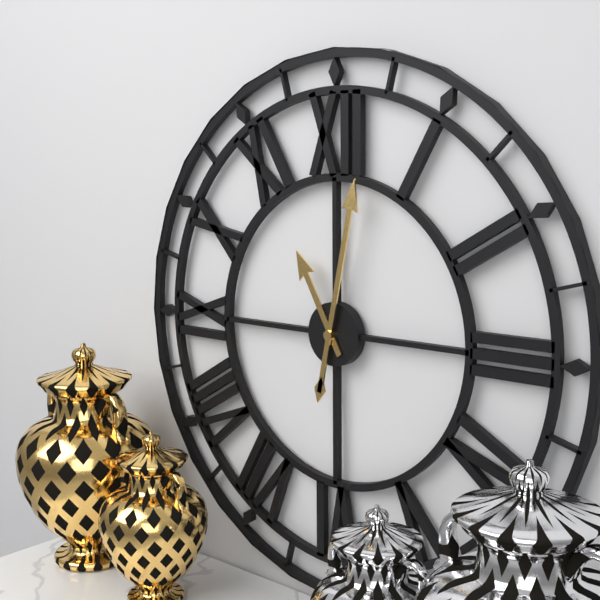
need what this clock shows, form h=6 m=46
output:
h=11 m=2
